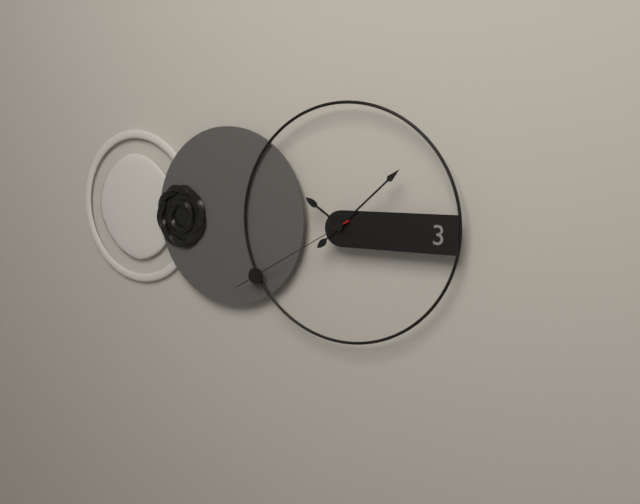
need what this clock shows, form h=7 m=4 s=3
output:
h=10 m=8 s=40
